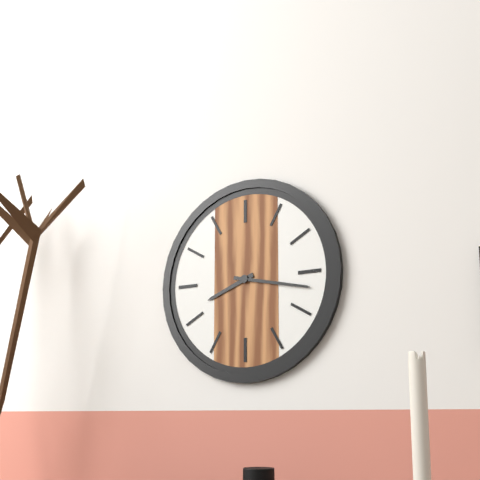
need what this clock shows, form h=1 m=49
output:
h=8 m=17
